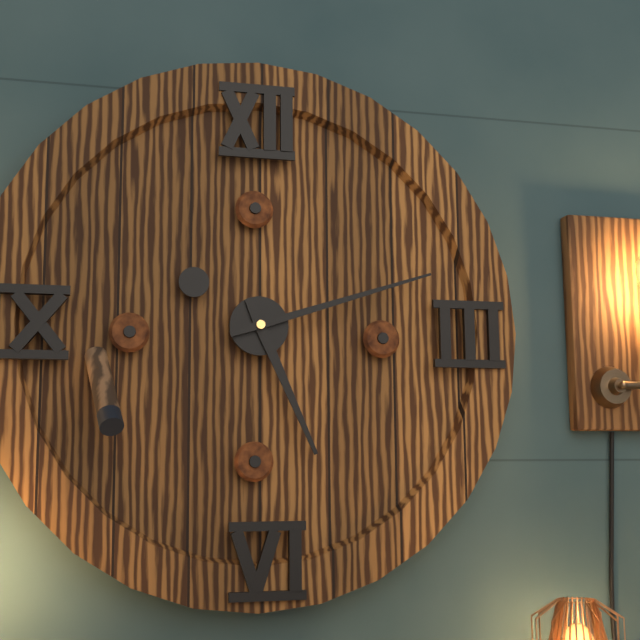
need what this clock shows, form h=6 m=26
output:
h=5 m=12
